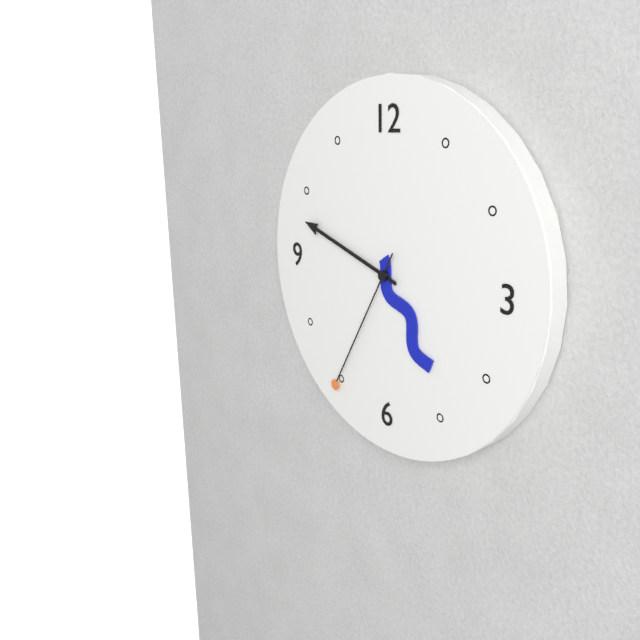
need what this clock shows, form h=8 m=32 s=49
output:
h=4 m=48 s=35
